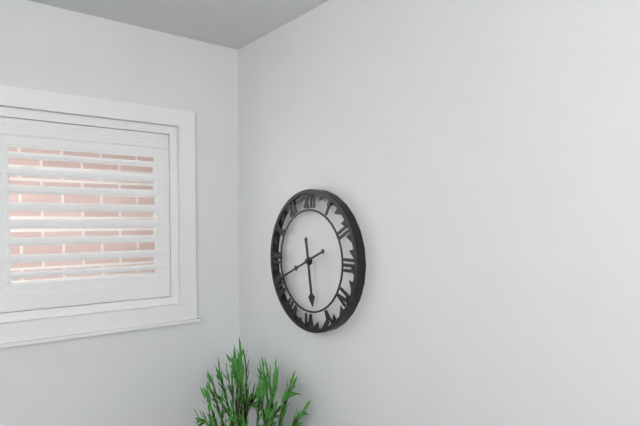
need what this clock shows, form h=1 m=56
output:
h=5 m=41
